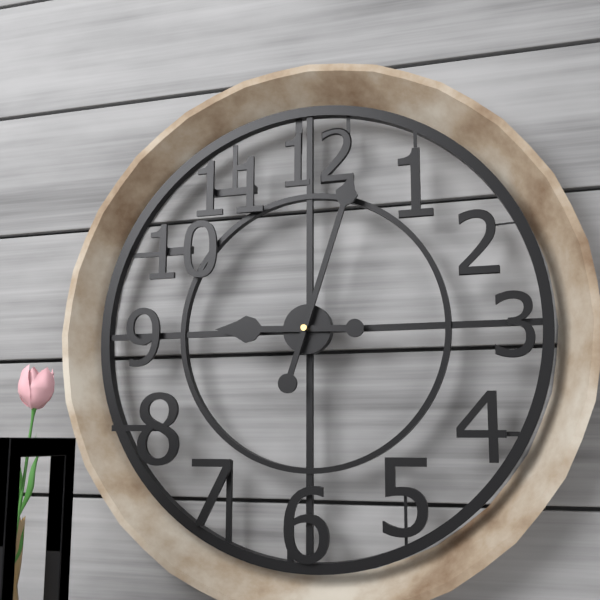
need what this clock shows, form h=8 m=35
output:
h=9 m=3
